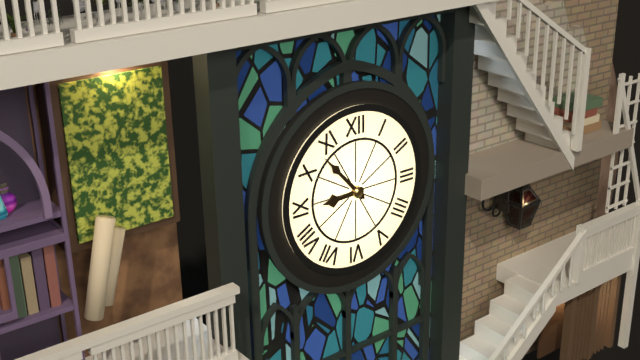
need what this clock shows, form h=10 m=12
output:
h=8 m=53
